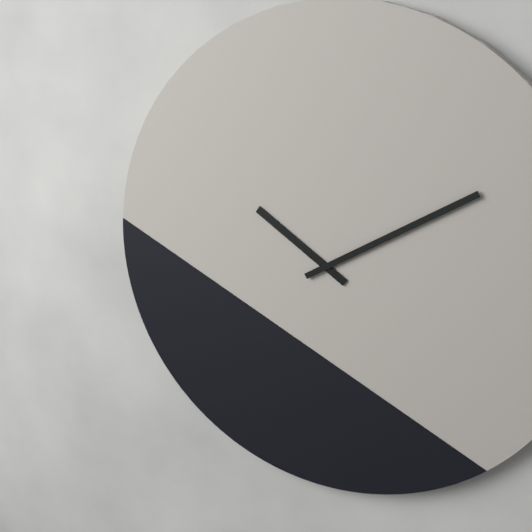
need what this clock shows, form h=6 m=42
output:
h=10 m=10
